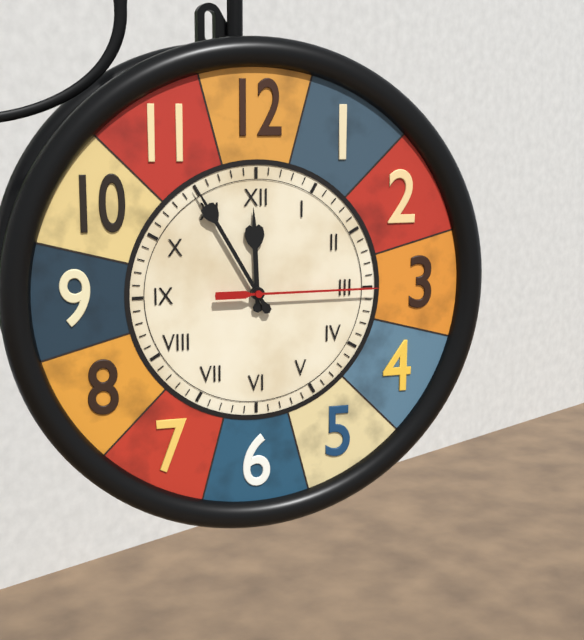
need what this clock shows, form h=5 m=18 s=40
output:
h=11 m=55 s=15
